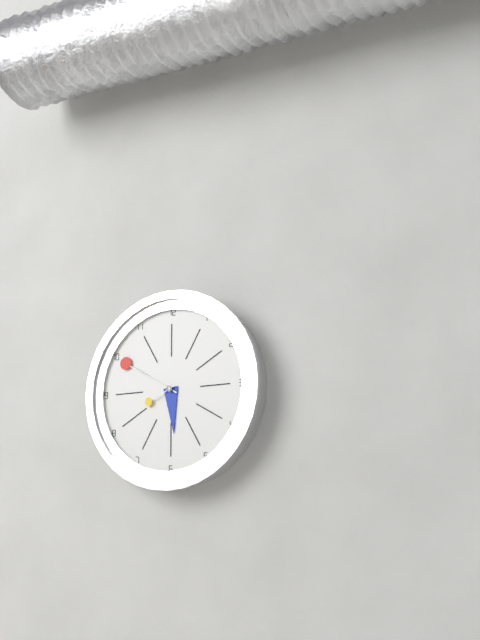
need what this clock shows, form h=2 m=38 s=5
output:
h=5 m=50 s=41
